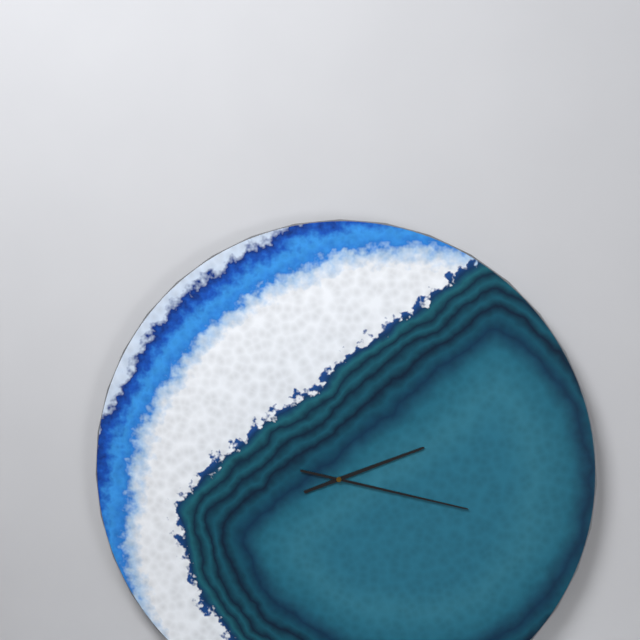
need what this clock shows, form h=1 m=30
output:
h=2 m=17
